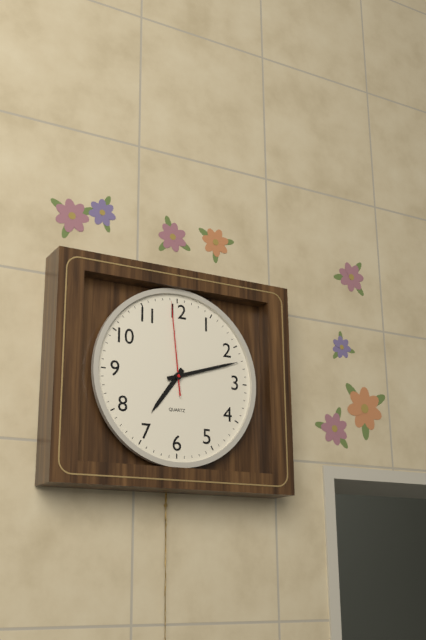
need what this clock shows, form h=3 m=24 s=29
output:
h=7 m=12 s=59
